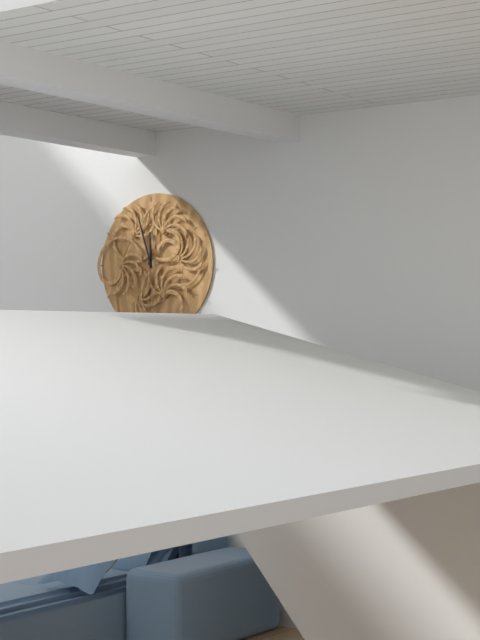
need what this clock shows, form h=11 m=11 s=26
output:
h=11 m=57 s=30
